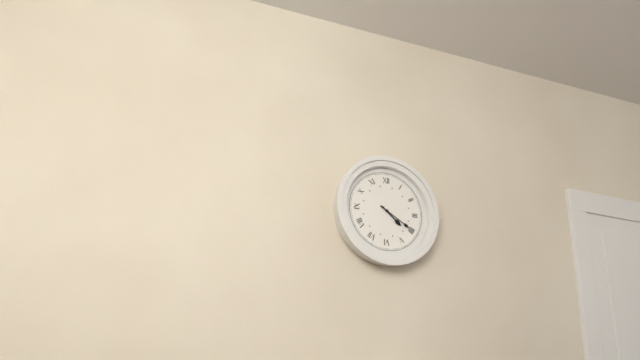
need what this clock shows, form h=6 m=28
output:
h=4 m=20
